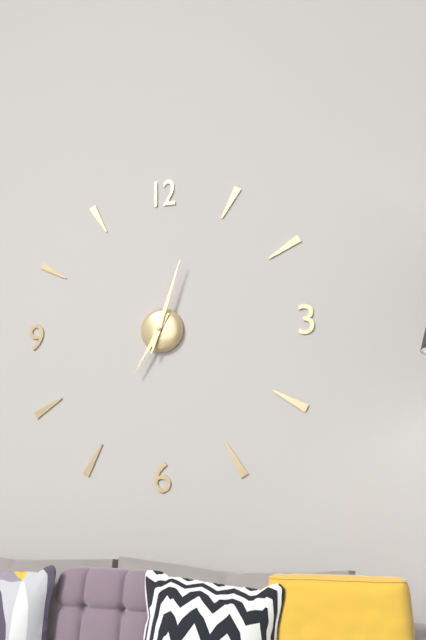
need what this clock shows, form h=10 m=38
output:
h=7 m=3
